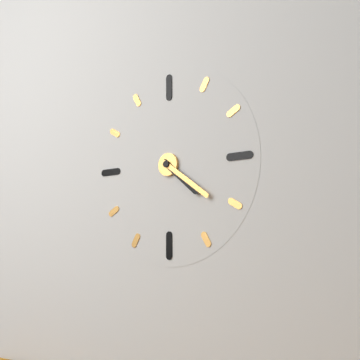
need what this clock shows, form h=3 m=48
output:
h=4 m=21
